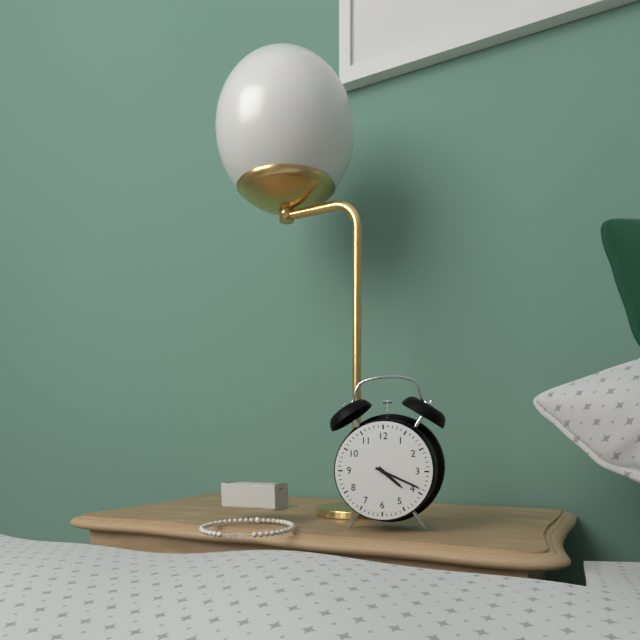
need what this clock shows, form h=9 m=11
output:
h=4 m=19
